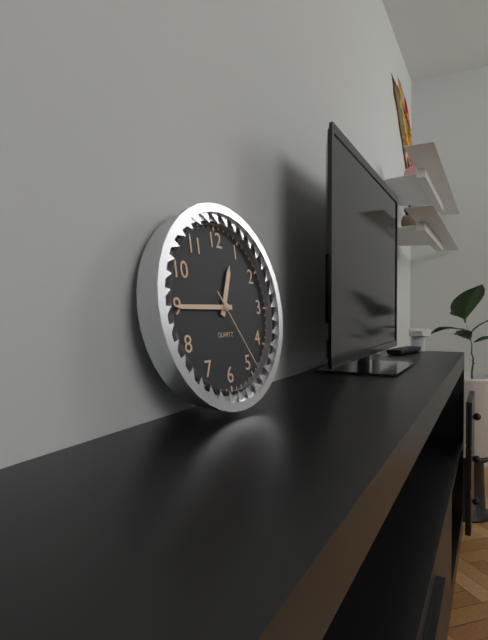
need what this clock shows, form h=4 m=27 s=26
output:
h=12 m=45 s=24
